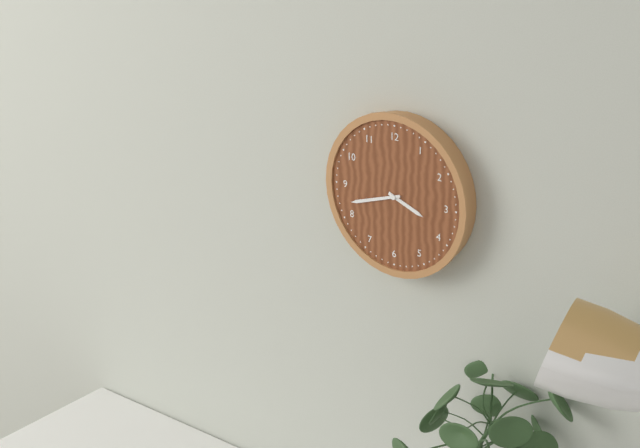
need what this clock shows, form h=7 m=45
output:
h=3 m=42
